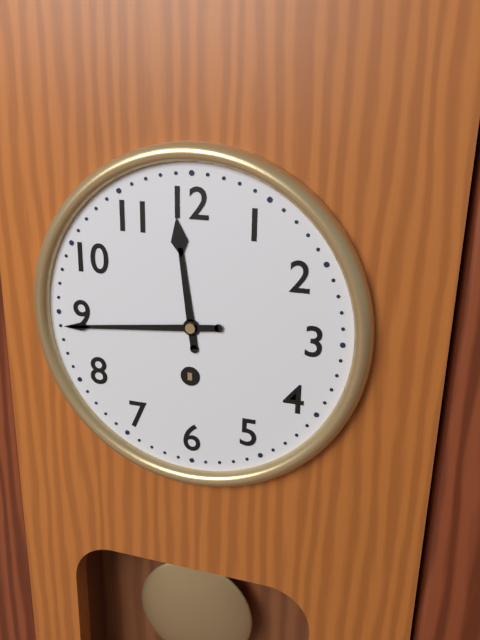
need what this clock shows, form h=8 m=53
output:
h=11 m=44
